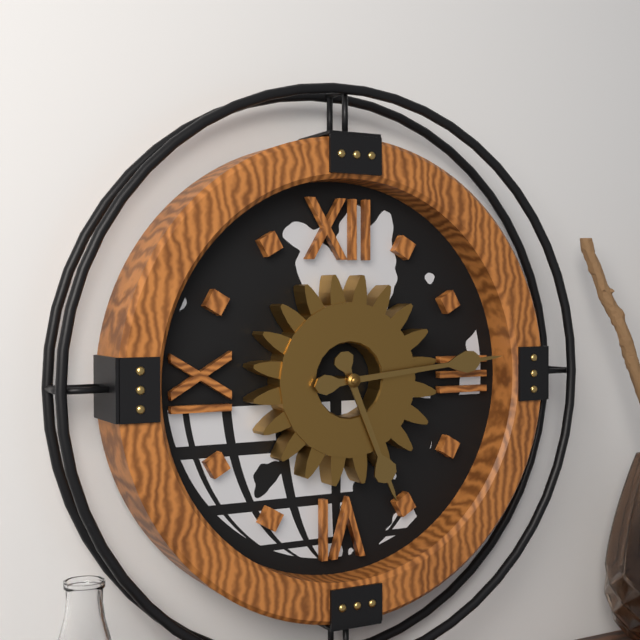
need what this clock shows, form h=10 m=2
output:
h=5 m=14
